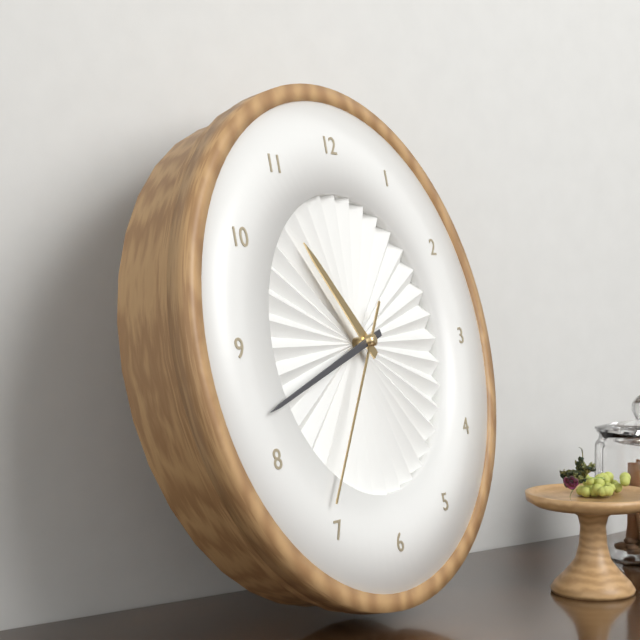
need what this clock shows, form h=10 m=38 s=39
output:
h=10 m=42 s=36
